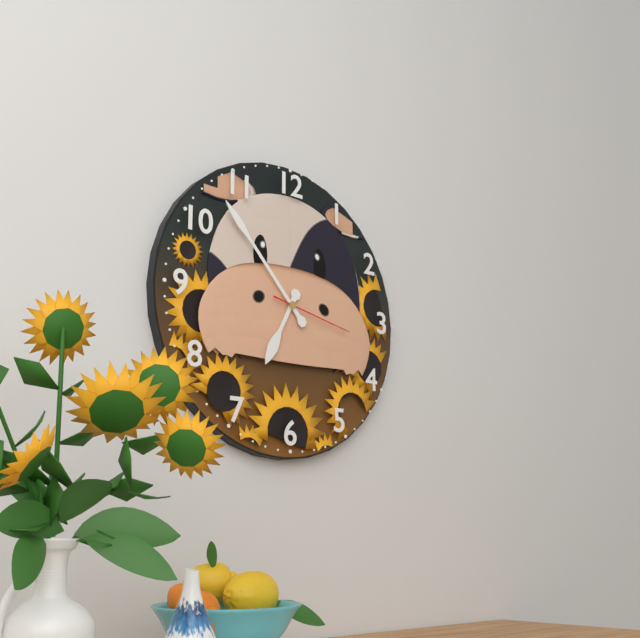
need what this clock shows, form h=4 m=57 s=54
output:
h=6 m=53 s=17
